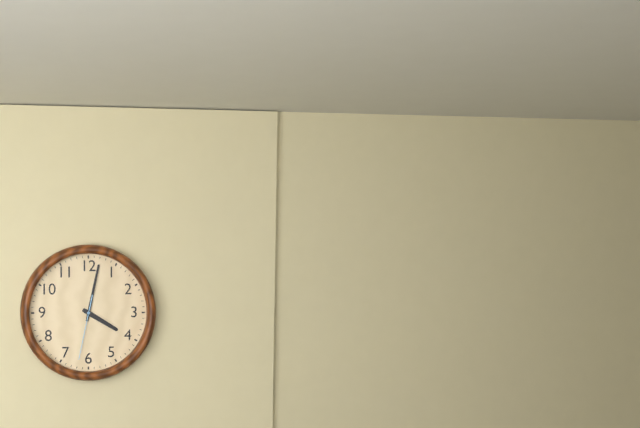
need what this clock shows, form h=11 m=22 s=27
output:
h=4 m=2 s=32
